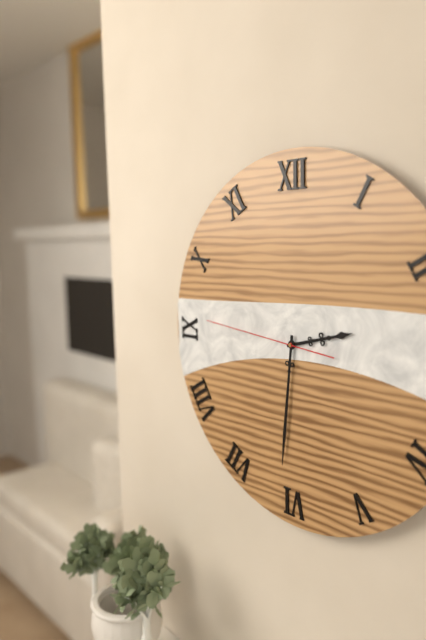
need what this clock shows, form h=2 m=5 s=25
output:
h=2 m=31 s=46
